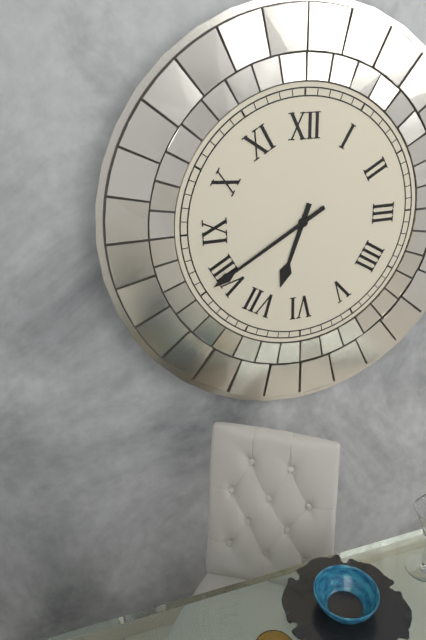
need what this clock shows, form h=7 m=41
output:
h=6 m=40
